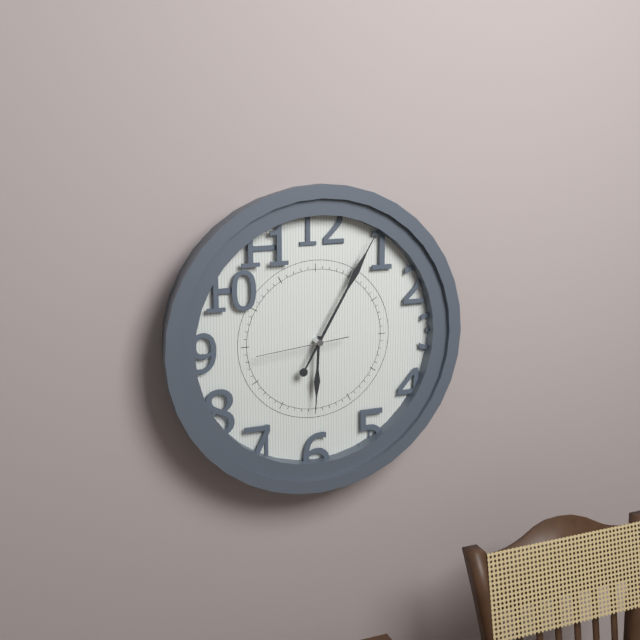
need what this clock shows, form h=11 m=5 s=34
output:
h=6 m=5 s=44
